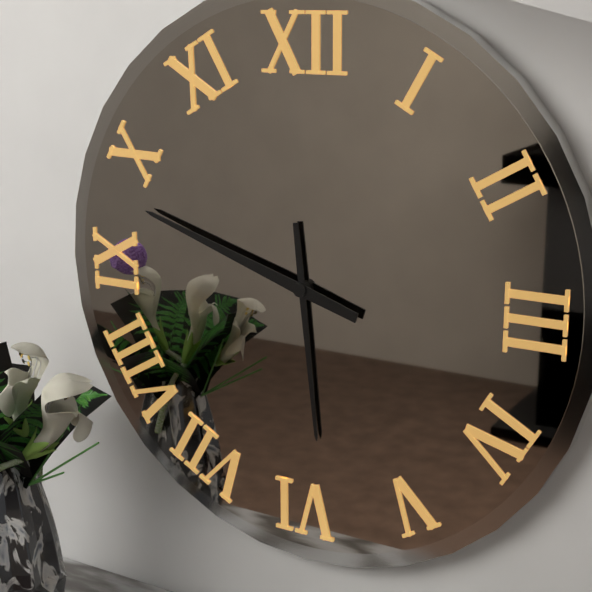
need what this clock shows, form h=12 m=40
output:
h=5 m=48
